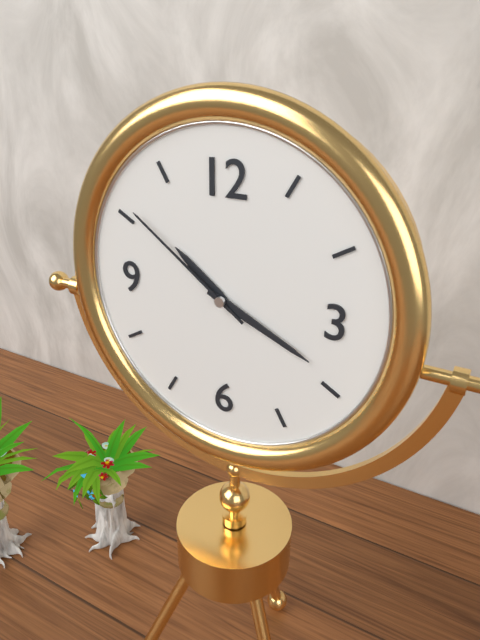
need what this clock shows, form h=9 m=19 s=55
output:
h=10 m=19 s=51
